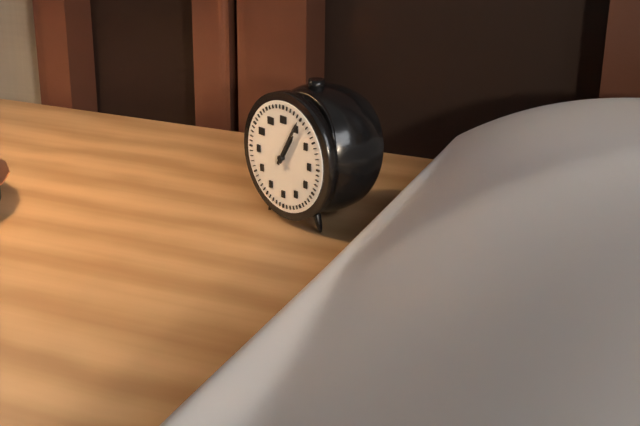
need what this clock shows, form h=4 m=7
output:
h=1 m=5
